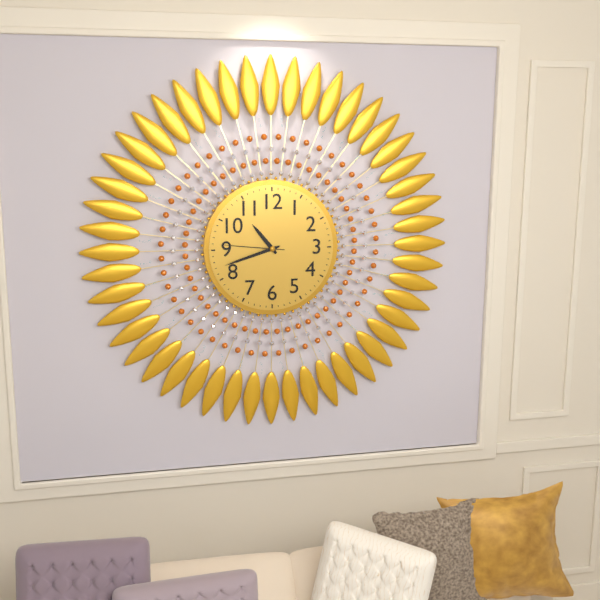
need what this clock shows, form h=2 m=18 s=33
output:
h=10 m=42 s=46
